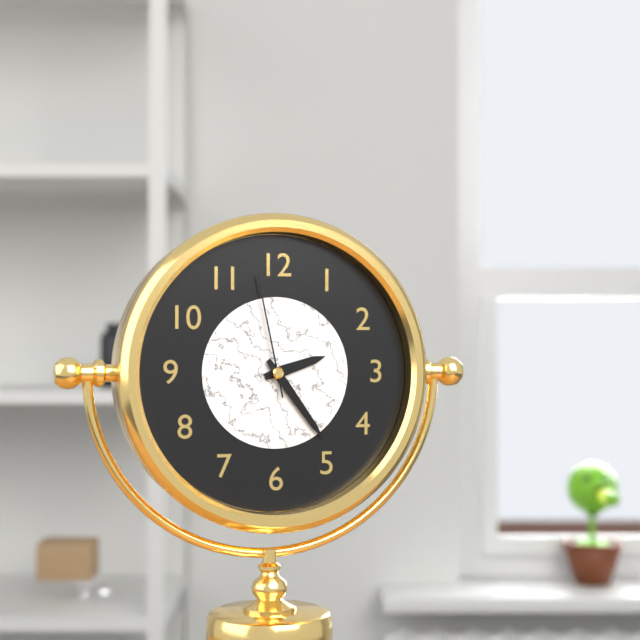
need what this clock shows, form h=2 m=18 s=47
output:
h=2 m=24 s=58
